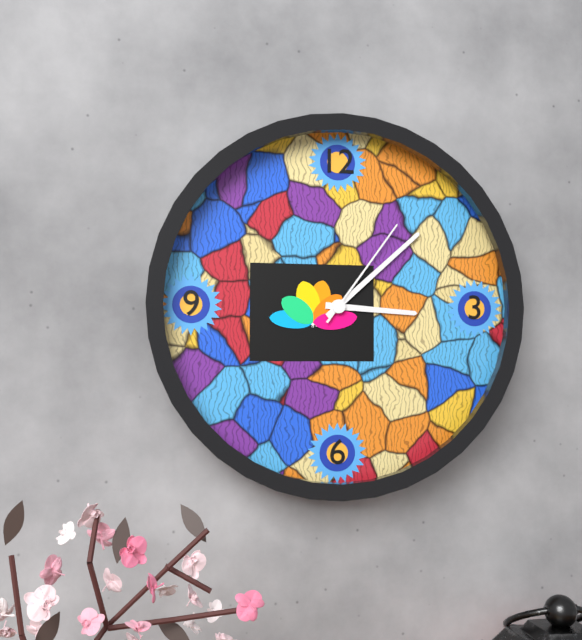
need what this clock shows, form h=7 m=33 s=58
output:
h=3 m=8 s=6
